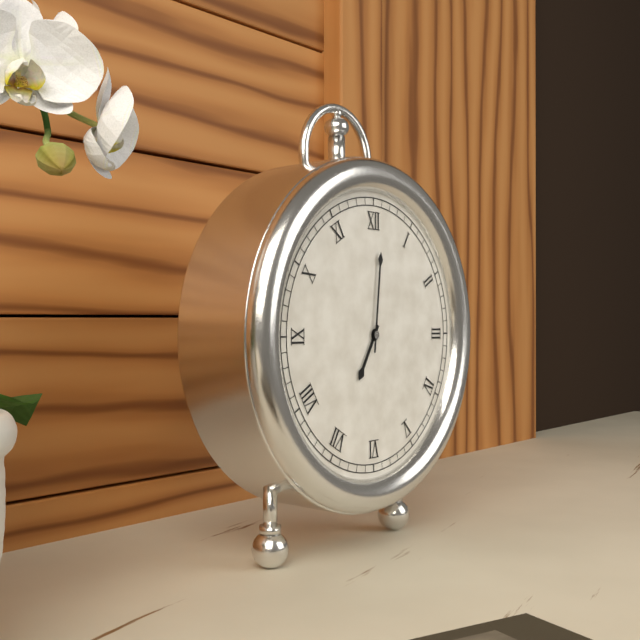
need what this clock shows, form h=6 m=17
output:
h=7 m=1
